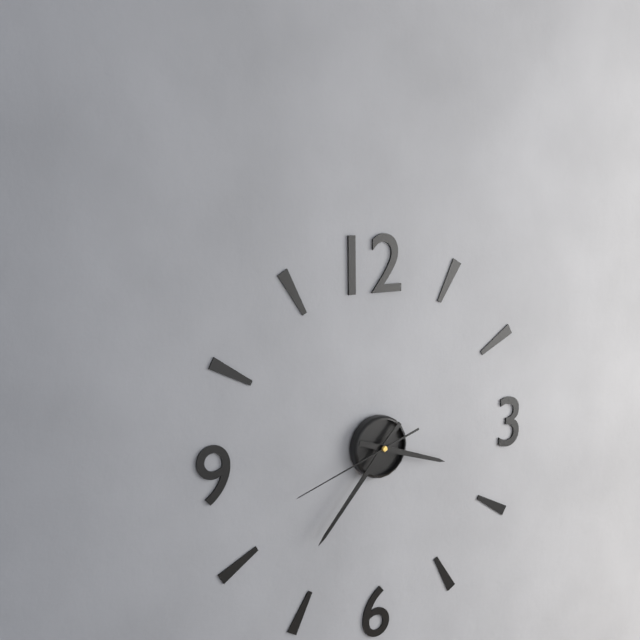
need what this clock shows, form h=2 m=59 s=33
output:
h=3 m=37 s=42
